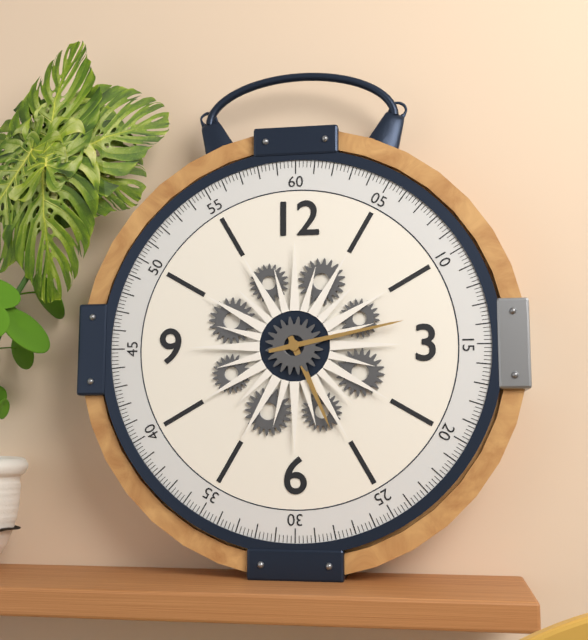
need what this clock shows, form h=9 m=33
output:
h=5 m=13
